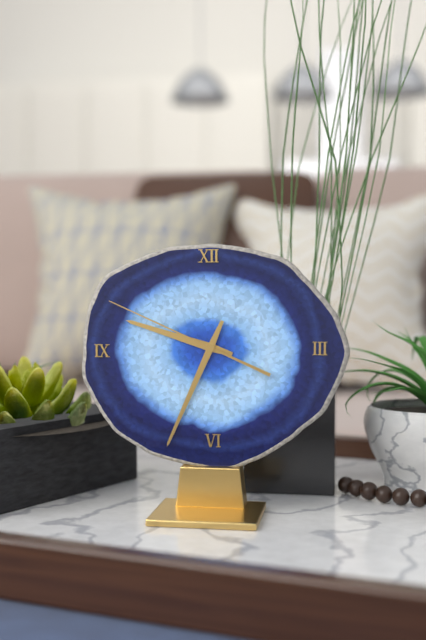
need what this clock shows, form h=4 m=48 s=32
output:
h=9 m=34 s=49
